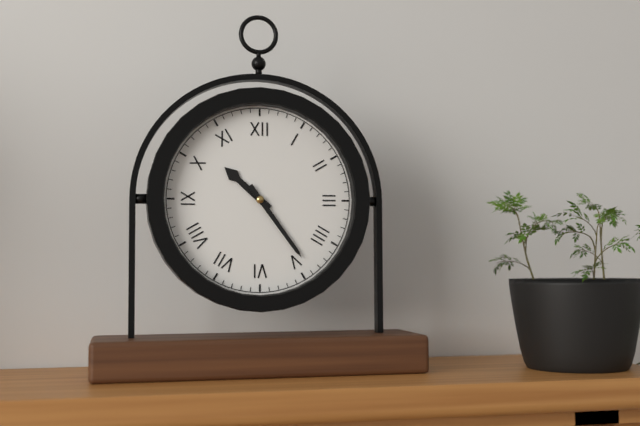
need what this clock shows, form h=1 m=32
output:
h=10 m=24
